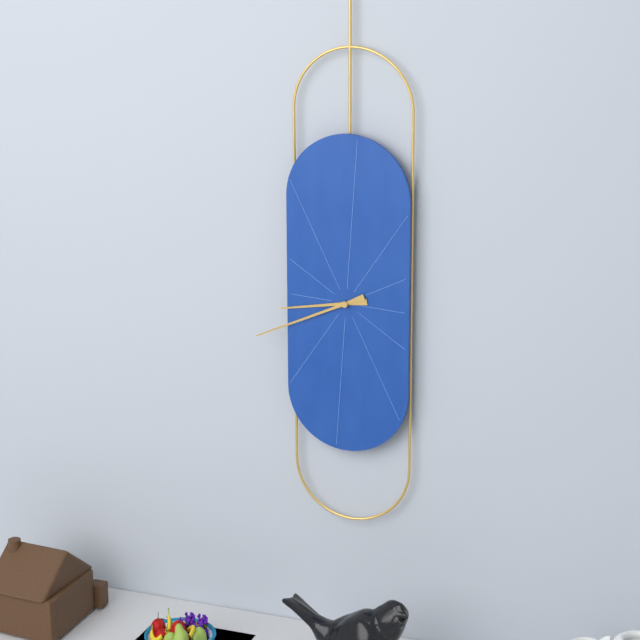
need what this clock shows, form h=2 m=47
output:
h=8 m=41
